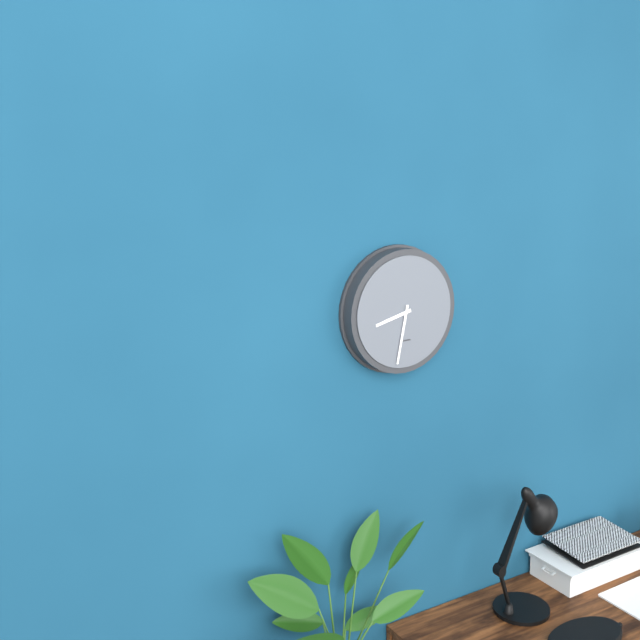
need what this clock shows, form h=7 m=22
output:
h=8 m=32
